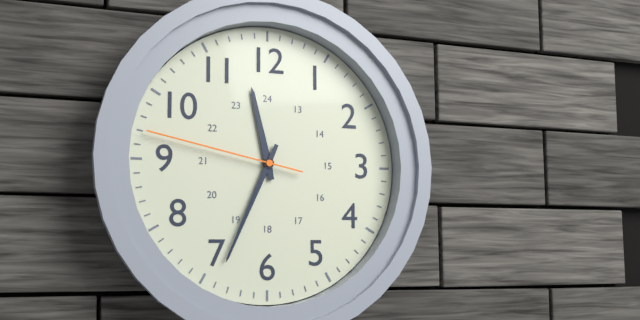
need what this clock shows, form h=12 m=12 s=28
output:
h=11 m=34 s=47
